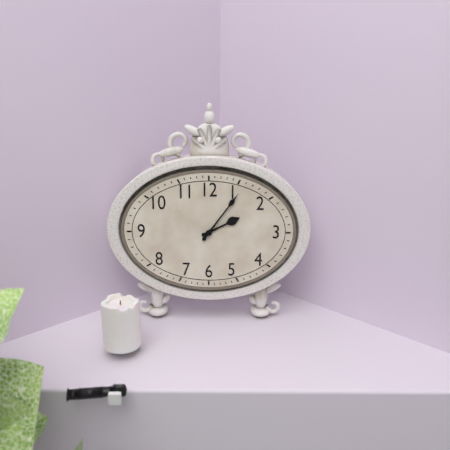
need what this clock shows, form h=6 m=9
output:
h=2 m=6
